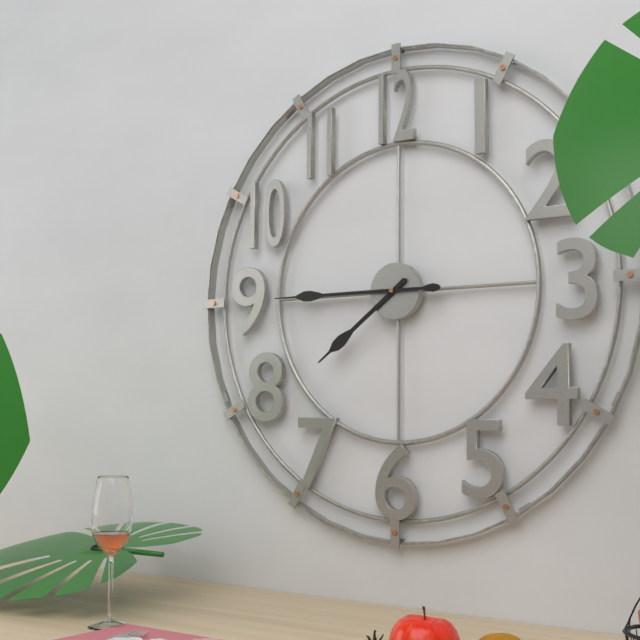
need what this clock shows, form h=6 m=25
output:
h=7 m=45
